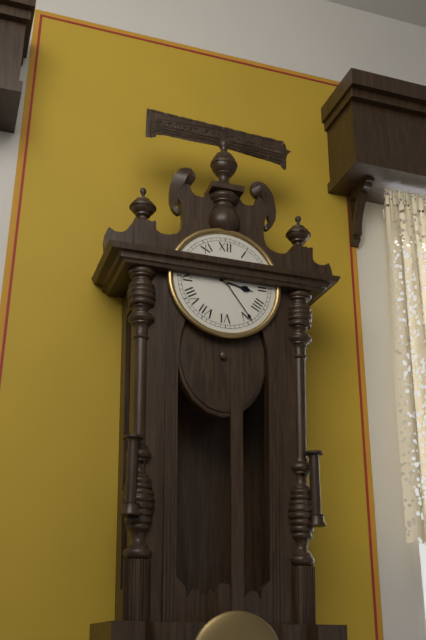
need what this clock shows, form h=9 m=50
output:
h=3 m=24
